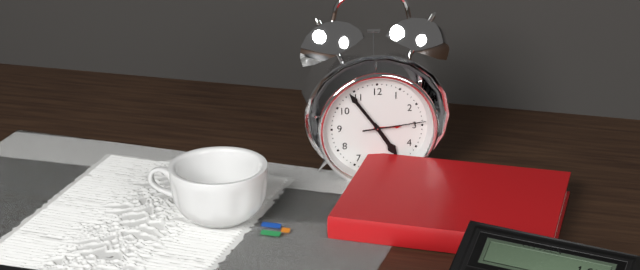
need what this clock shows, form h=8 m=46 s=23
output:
h=4 m=54 s=14
